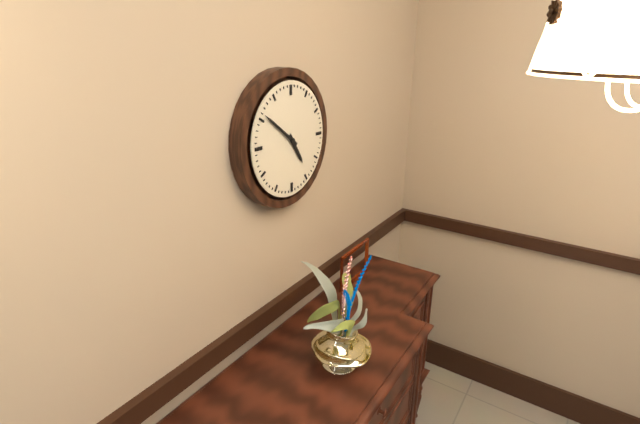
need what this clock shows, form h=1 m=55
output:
h=4 m=51
